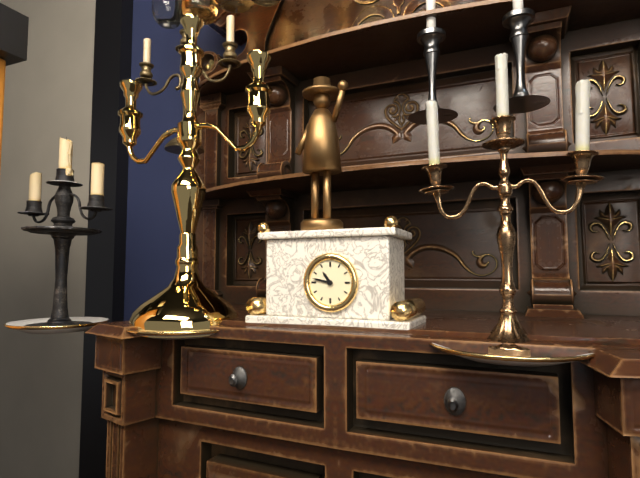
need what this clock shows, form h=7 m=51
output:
h=10 m=47
